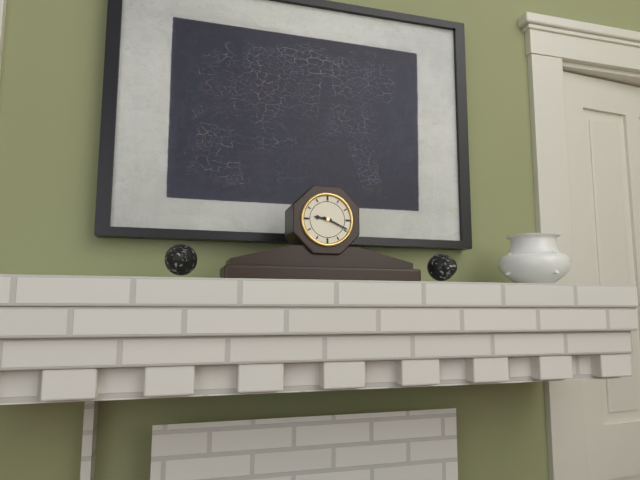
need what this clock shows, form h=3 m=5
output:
h=9 m=19
